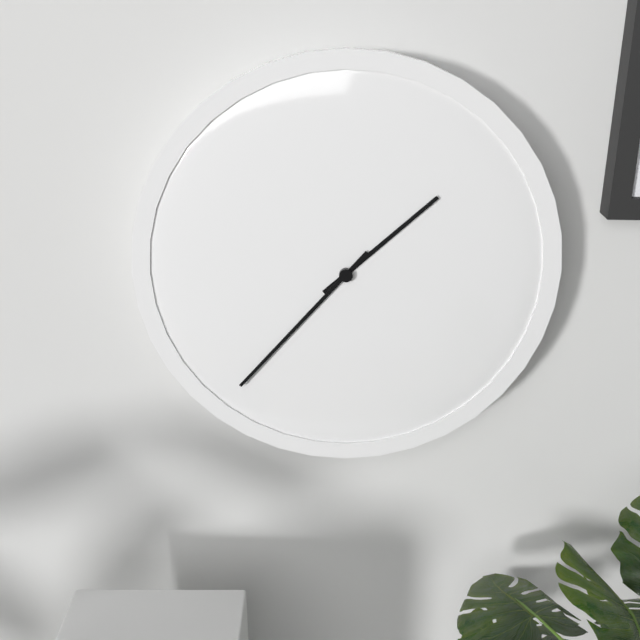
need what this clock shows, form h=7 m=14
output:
h=1 m=37
